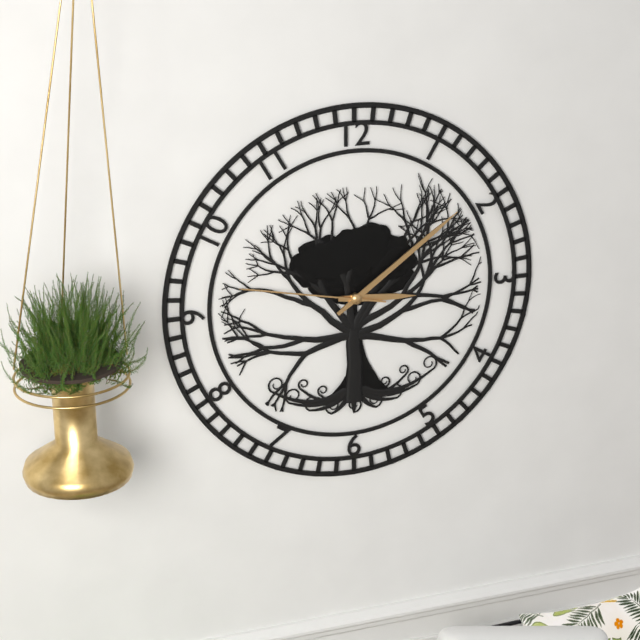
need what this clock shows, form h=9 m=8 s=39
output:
h=3 m=9 s=47
